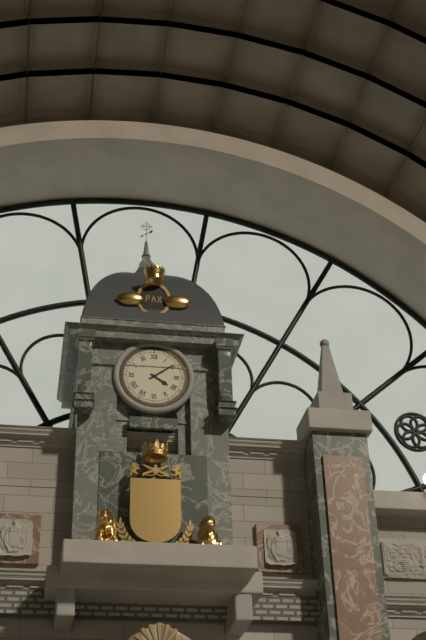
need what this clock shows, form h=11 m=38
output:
h=4 m=9
